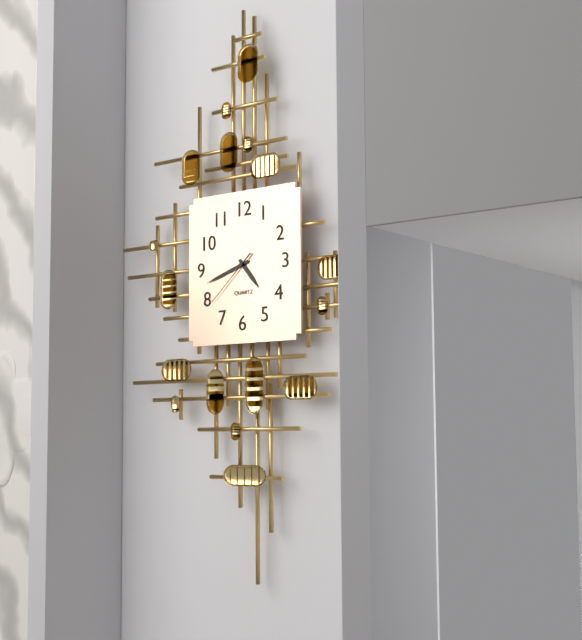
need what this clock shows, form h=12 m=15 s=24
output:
h=4 m=42 s=38
